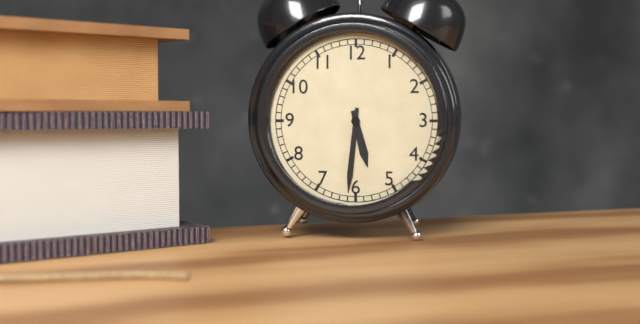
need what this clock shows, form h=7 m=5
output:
h=5 m=31
